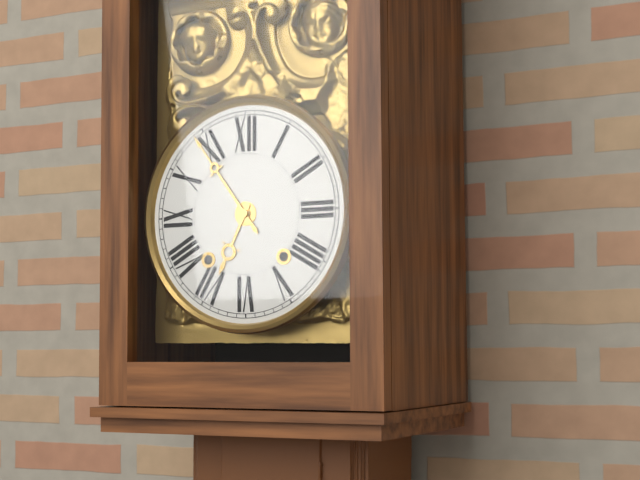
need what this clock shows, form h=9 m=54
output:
h=6 m=54
